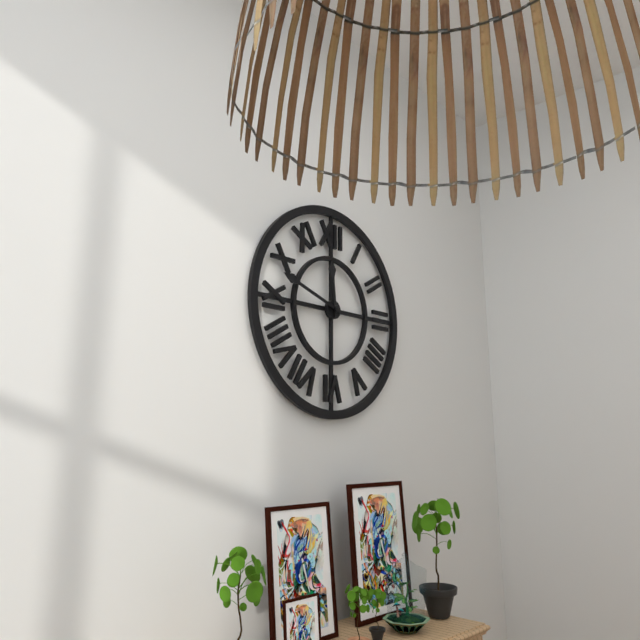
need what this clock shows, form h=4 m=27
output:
h=11 m=48
